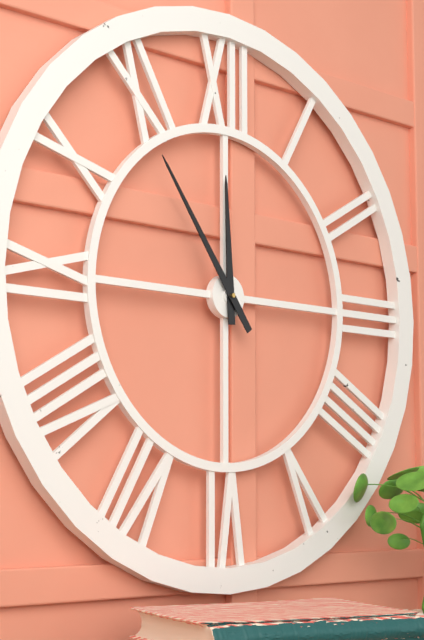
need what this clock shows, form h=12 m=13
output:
h=11 m=54
